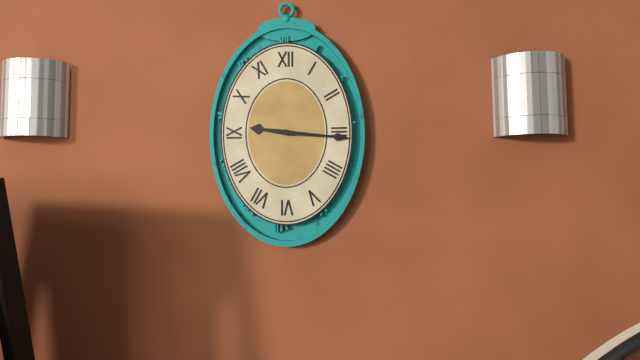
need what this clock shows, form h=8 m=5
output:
h=9 m=16
